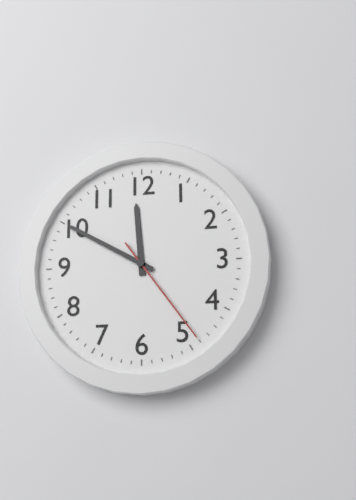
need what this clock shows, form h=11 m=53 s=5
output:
h=11 m=50 s=24
